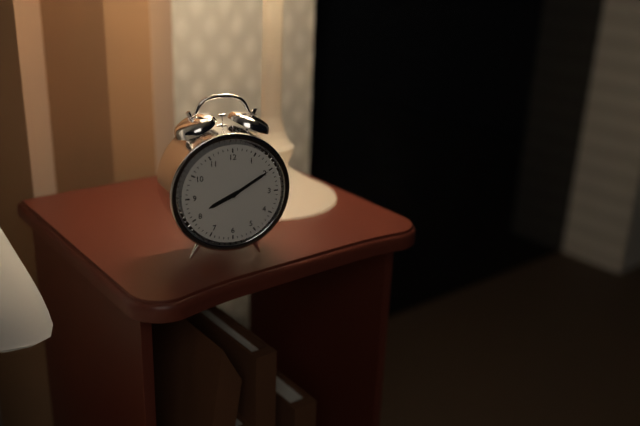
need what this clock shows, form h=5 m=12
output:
h=8 m=10
